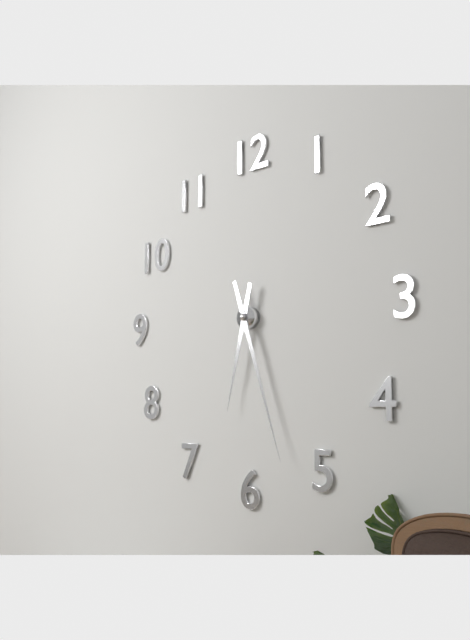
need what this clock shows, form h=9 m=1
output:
h=6 m=27
